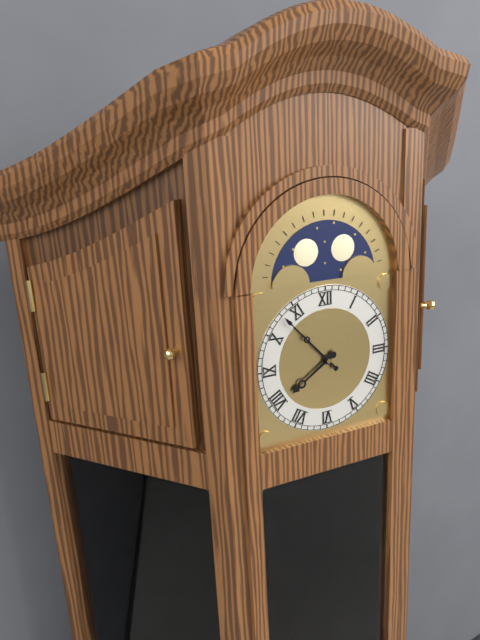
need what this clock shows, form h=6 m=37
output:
h=7 m=53
